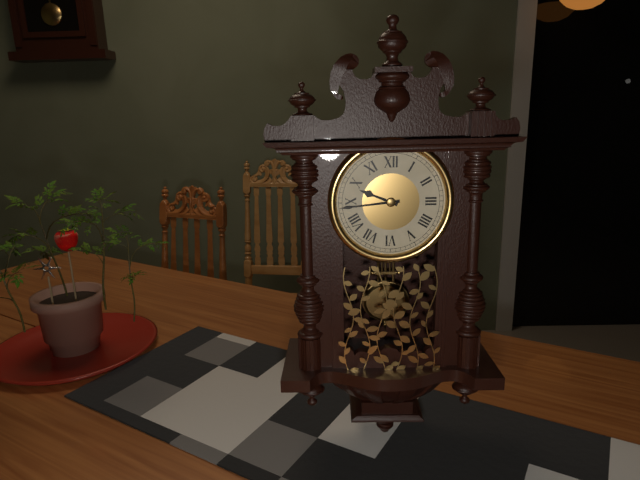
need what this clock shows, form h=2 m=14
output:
h=9 m=44
